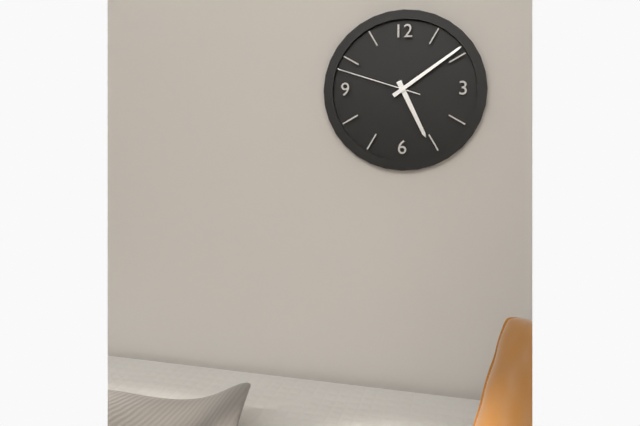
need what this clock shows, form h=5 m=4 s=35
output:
h=5 m=9 s=48
